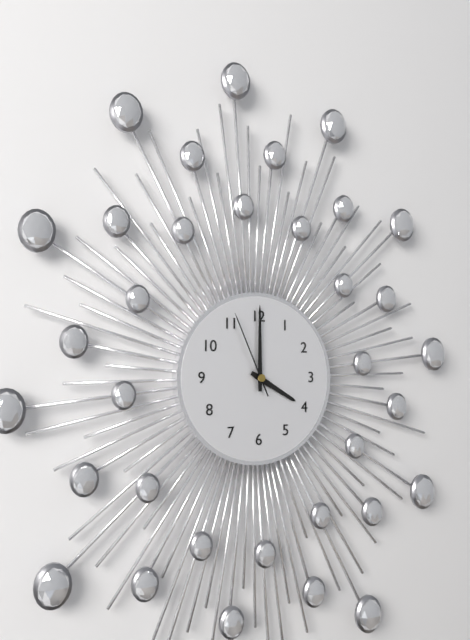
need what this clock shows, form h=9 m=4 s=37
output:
h=4 m=0 s=56
